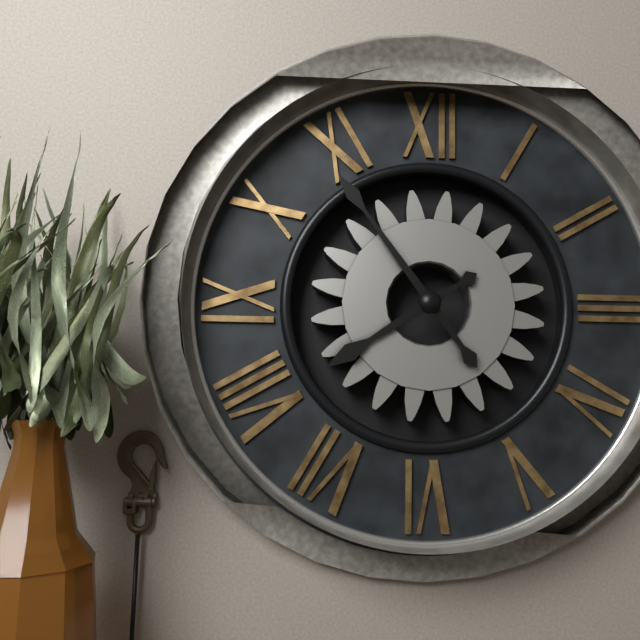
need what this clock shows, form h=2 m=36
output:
h=7 m=54
